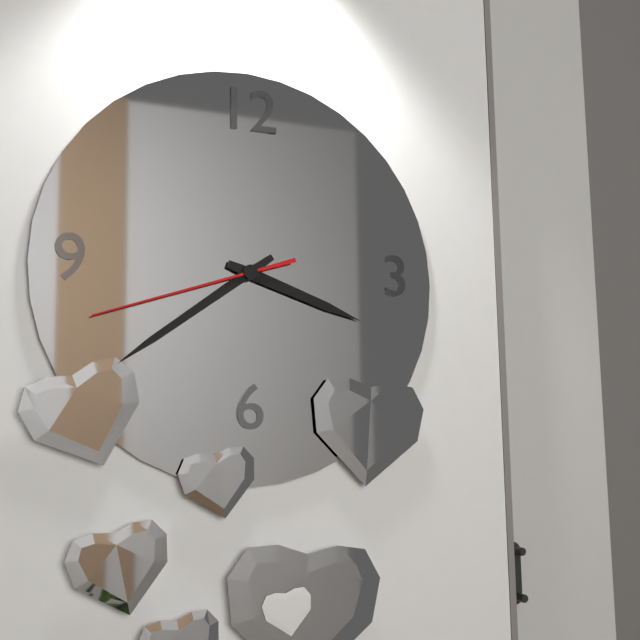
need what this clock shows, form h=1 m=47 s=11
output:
h=3 m=39 s=42
